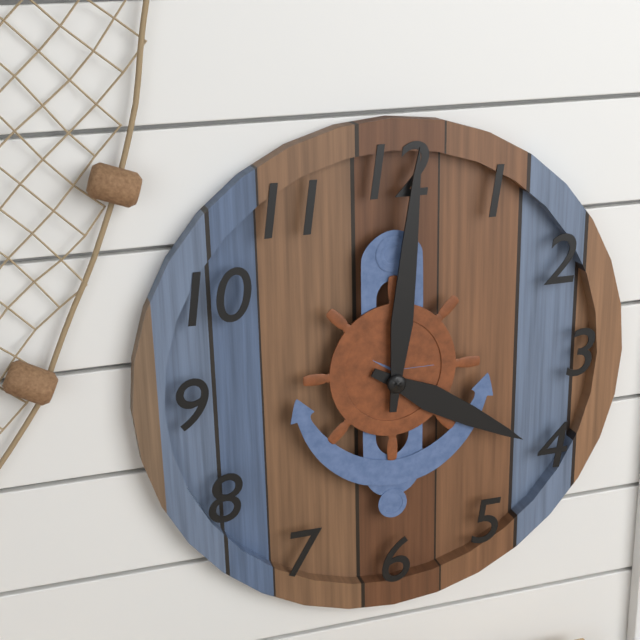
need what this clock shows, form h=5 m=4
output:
h=4 m=1
